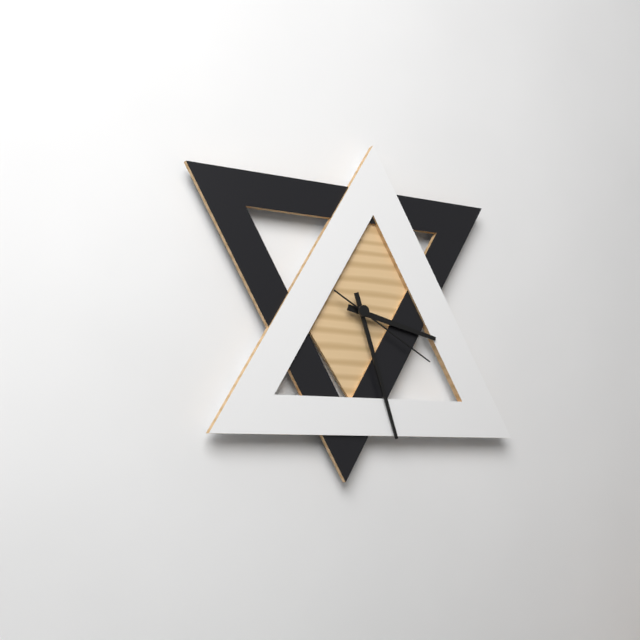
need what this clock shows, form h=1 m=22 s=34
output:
h=3 m=27 s=20
